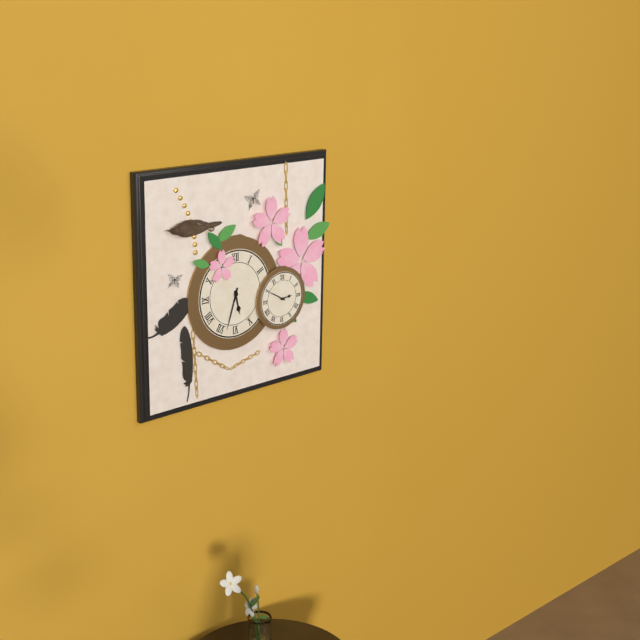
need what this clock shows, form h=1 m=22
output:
h=5 m=33
